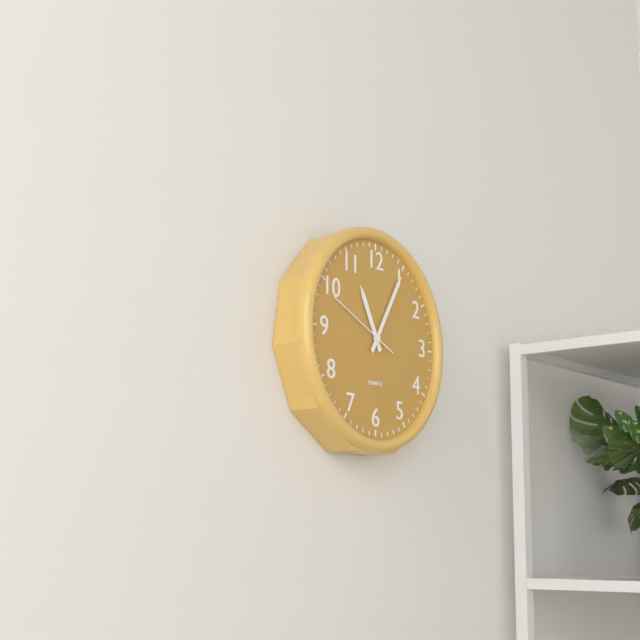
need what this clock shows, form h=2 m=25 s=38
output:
h=11 m=5 s=49
